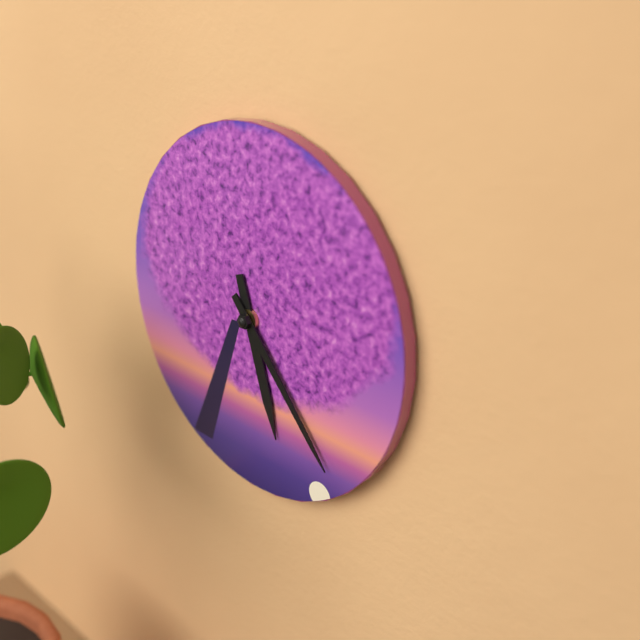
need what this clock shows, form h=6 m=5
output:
h=5 m=23
